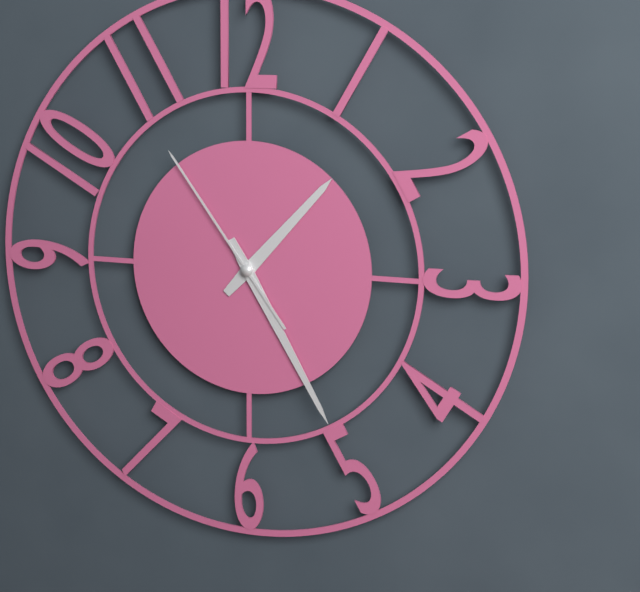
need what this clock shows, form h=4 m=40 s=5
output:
h=1 m=25 s=54
